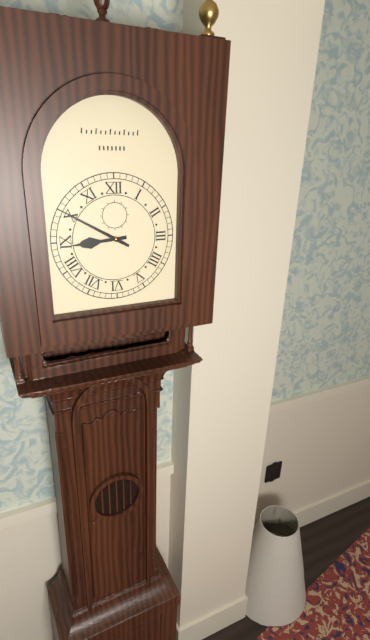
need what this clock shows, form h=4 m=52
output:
h=8 m=50
